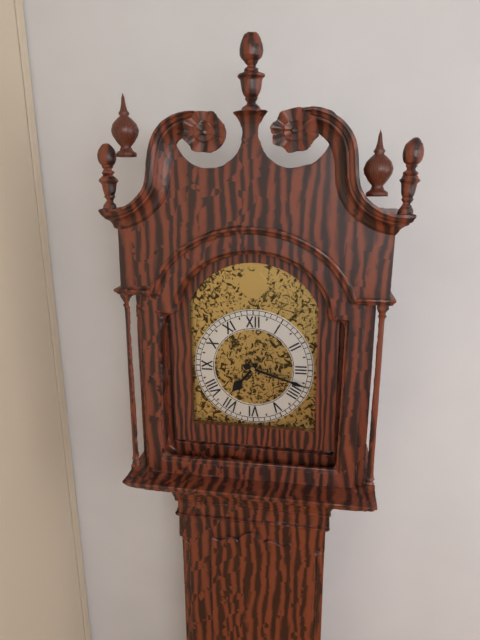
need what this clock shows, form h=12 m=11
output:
h=7 m=18
